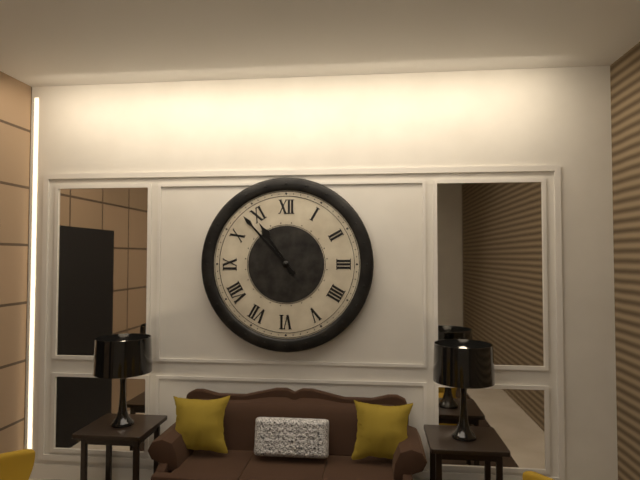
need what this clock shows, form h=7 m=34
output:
h=10 m=53
